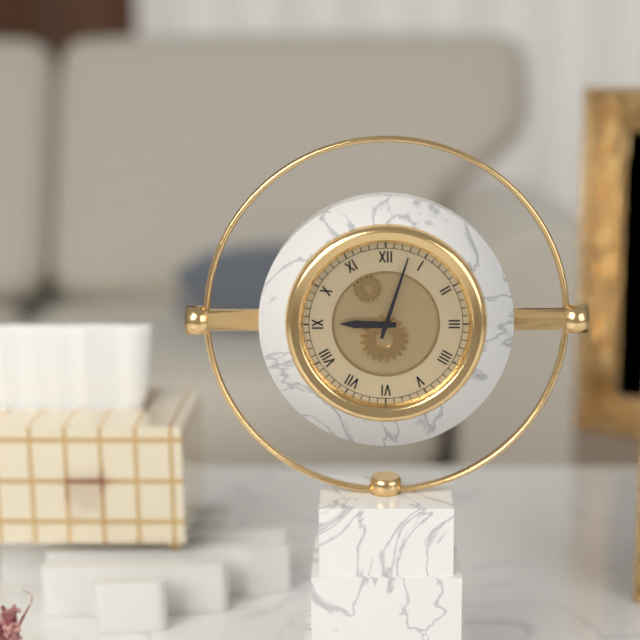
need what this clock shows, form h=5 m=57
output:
h=9 m=3
